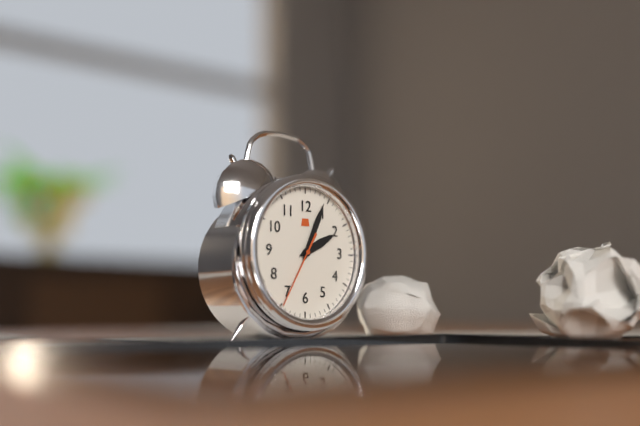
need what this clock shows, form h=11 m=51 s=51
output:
h=2 m=4 s=35
